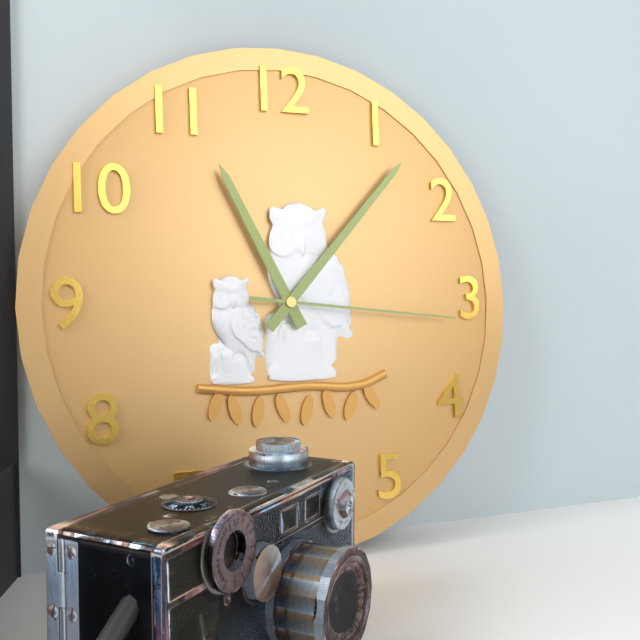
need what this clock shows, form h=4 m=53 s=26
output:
h=11 m=7 s=16
